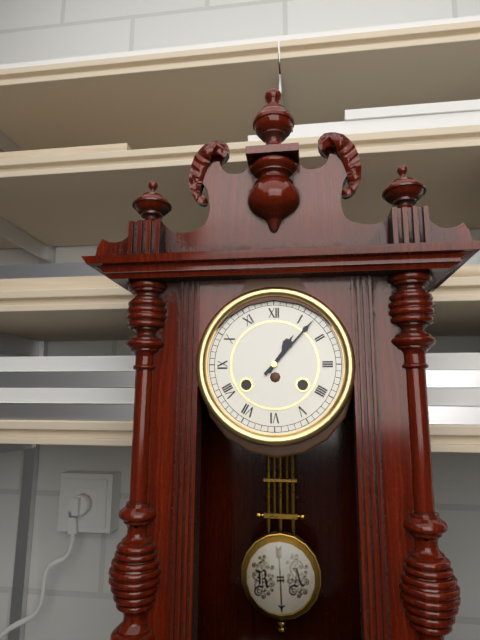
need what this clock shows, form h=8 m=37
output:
h=1 m=7
